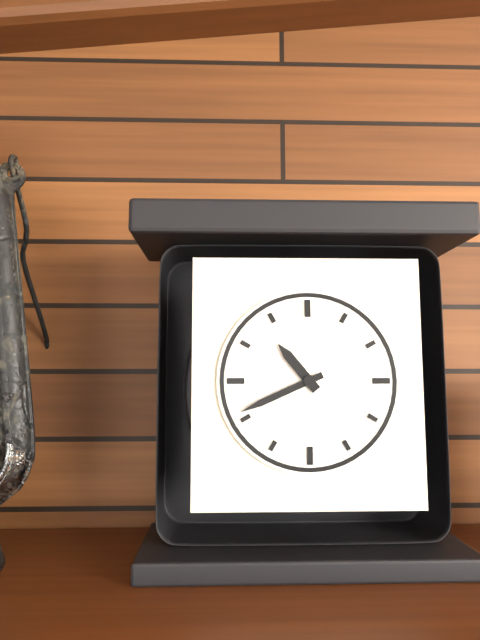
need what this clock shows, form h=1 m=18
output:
h=10 m=41
